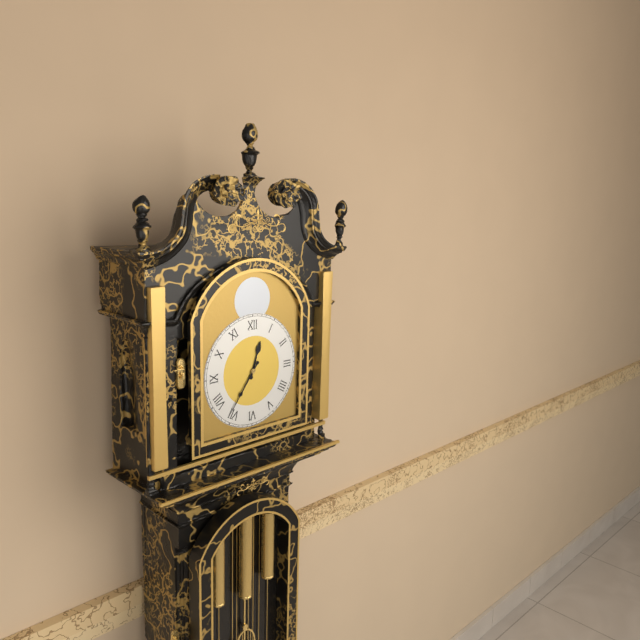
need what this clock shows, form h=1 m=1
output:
h=12 m=36
